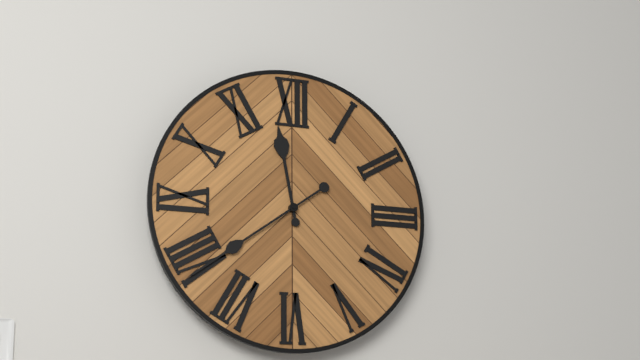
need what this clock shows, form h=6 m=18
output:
h=11 m=39
